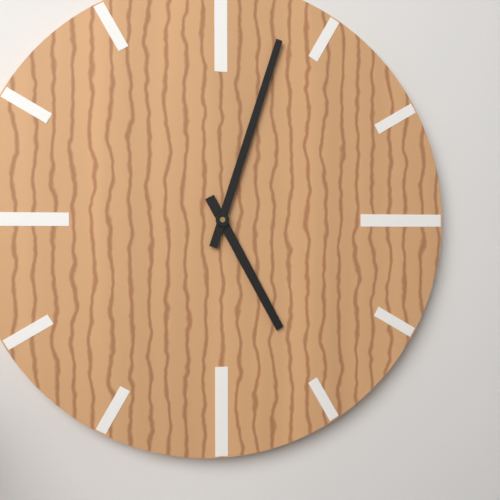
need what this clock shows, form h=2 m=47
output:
h=5 m=3
